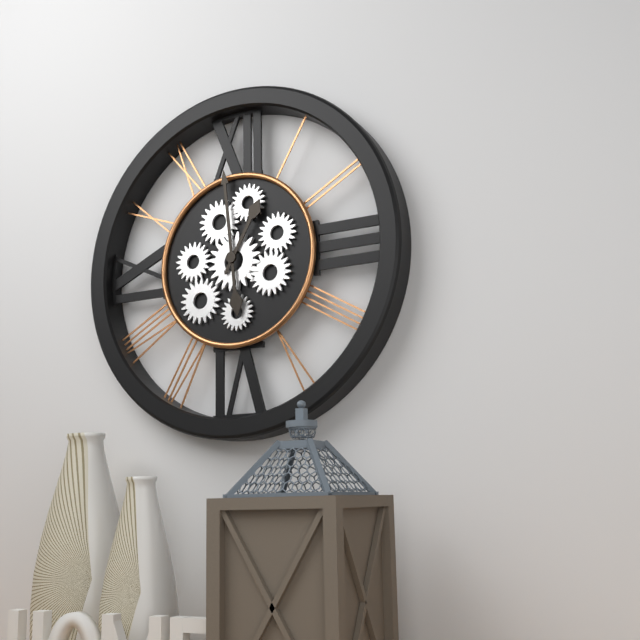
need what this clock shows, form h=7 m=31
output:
h=12 m=59
